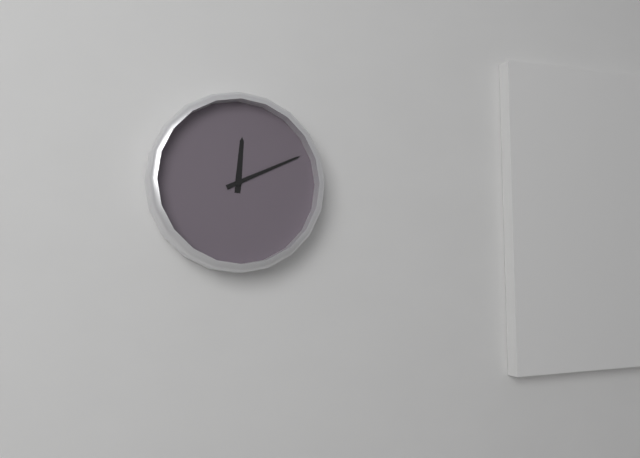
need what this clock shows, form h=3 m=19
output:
h=12 m=11
